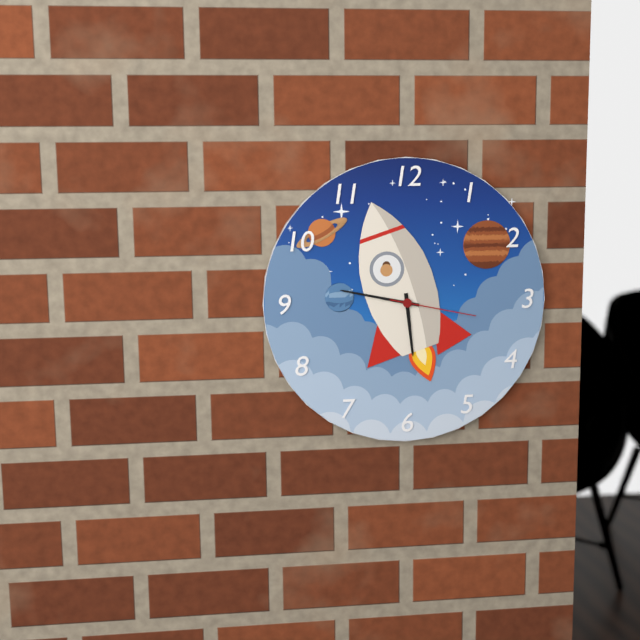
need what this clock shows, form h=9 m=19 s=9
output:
h=5 m=47 s=17
